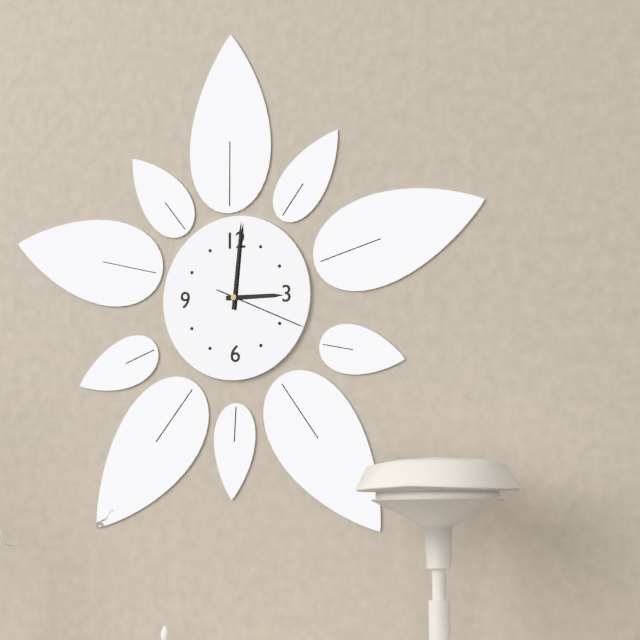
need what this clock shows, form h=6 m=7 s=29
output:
h=3 m=1 s=19
